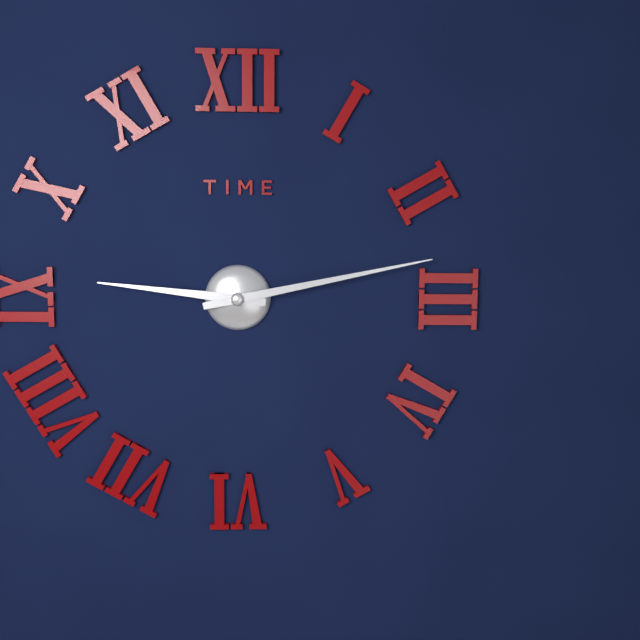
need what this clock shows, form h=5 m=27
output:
h=9 m=13
